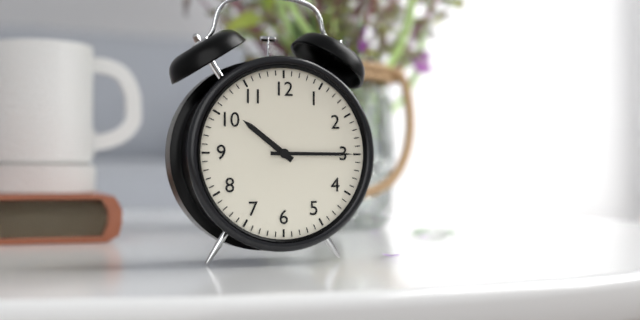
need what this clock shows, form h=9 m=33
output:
h=10 m=15
